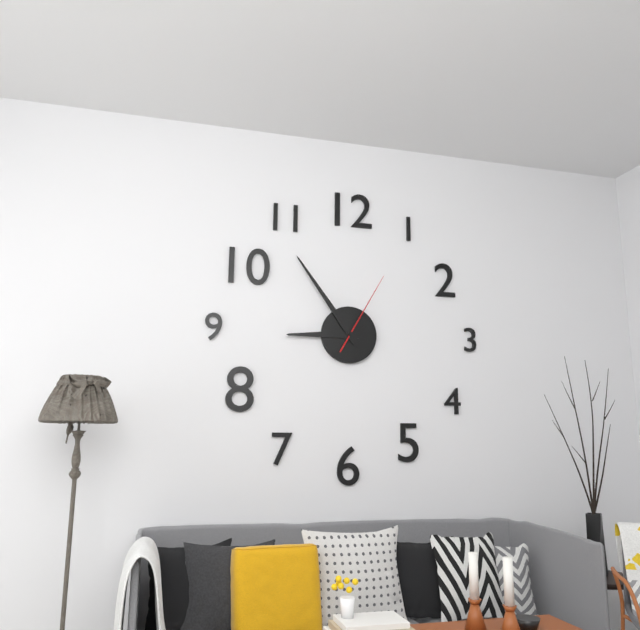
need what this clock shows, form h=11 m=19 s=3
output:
h=8 m=54 s=5
